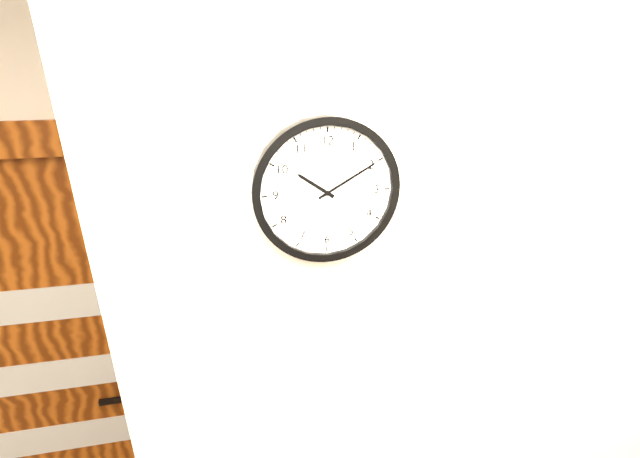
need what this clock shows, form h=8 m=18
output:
h=10 m=10
